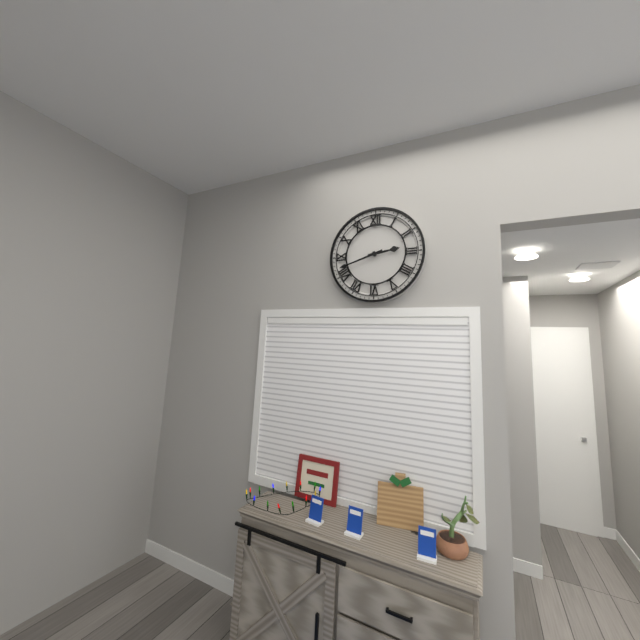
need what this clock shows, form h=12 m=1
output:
h=2 m=42
